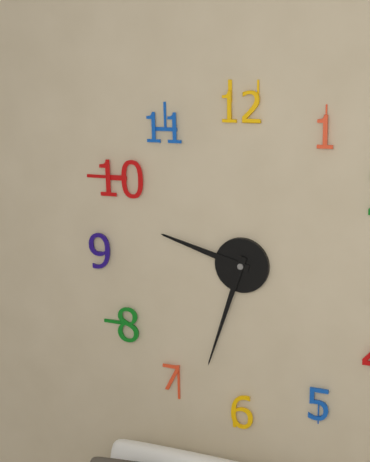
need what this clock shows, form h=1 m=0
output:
h=9 m=33
